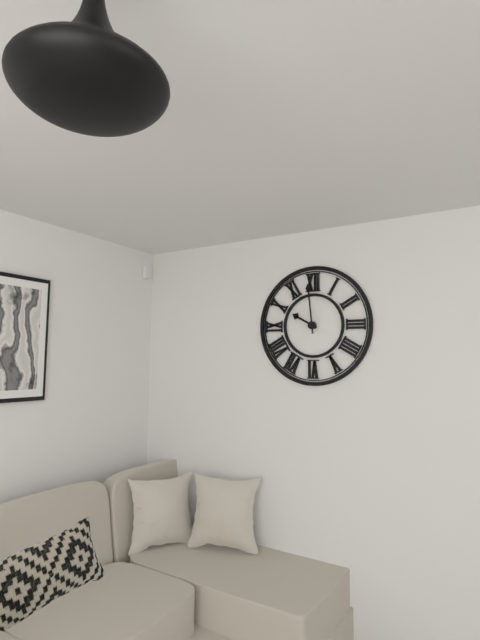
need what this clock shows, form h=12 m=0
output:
h=9 m=59
